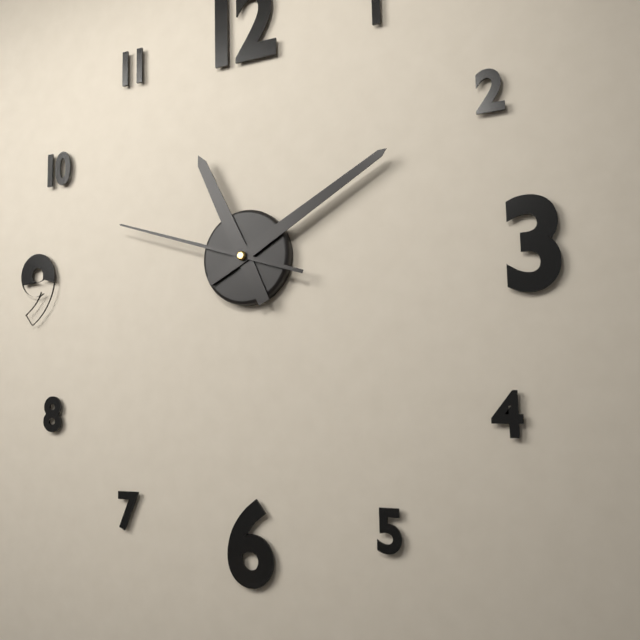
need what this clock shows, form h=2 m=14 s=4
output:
h=11 m=10 s=48
